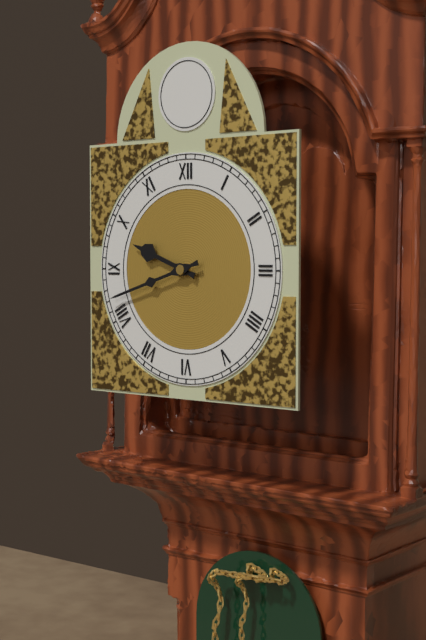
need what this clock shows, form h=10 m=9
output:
h=9 m=42
